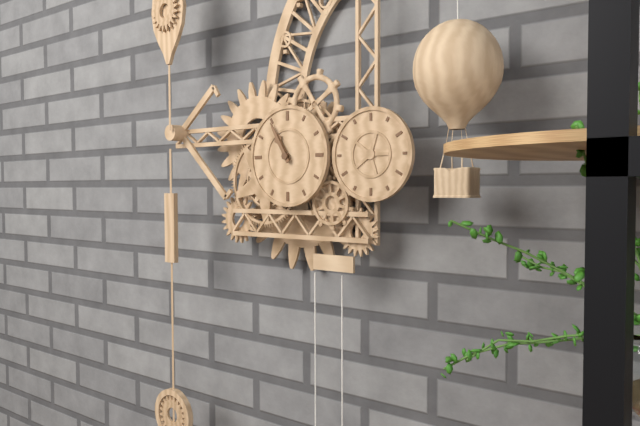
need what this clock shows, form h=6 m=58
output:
h=10 m=55
